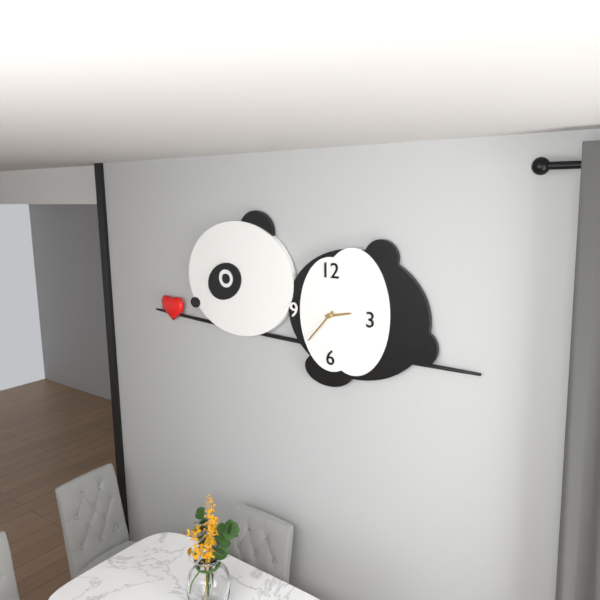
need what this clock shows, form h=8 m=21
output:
h=2 m=37
